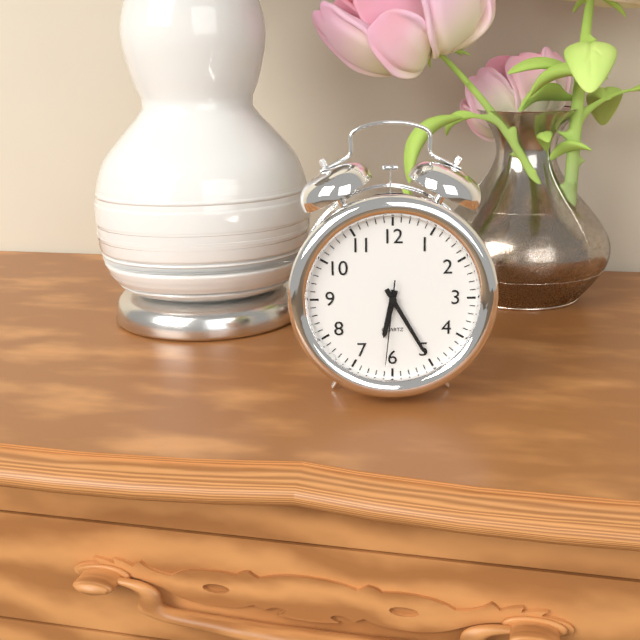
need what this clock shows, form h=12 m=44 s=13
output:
h=6 m=25 s=31
